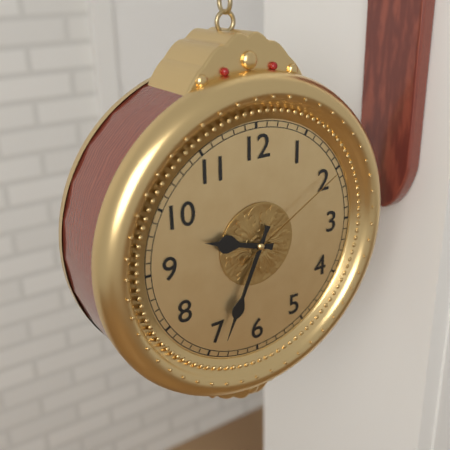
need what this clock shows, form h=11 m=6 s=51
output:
h=9 m=34 s=10
